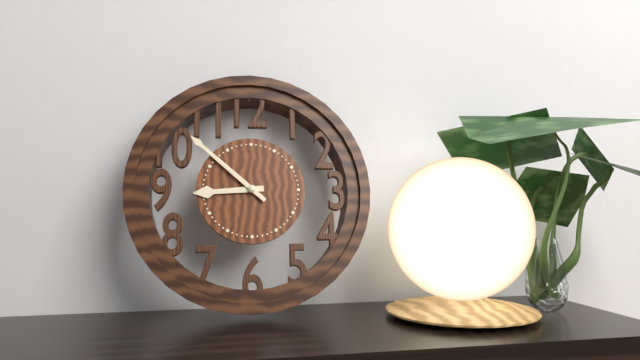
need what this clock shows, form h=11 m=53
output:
h=8 m=52
